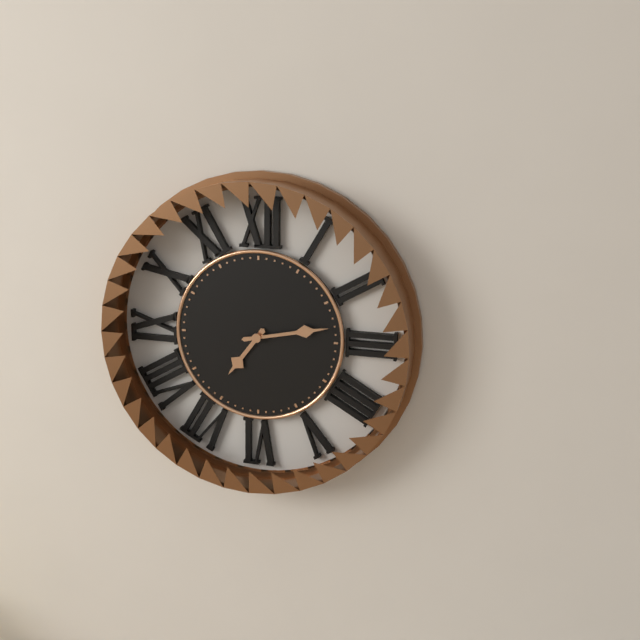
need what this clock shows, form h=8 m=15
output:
h=7 m=13
